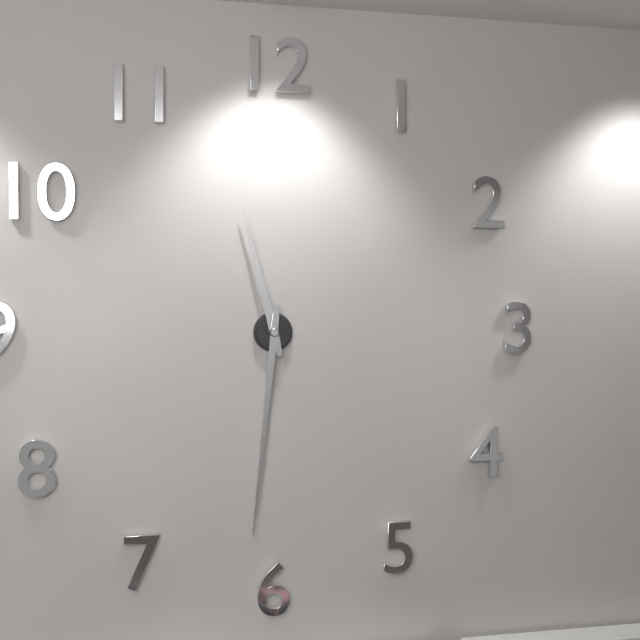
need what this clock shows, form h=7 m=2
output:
h=11 m=31
